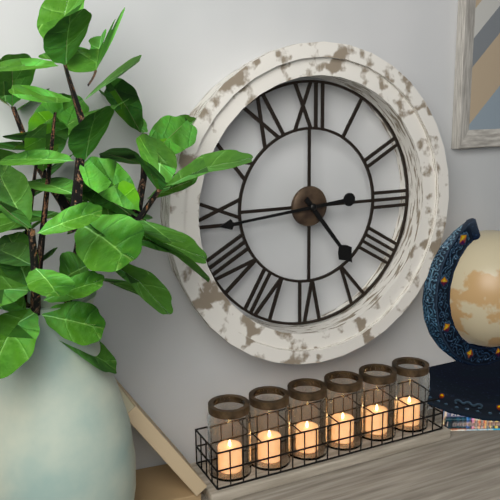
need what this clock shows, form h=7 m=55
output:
h=4 m=44
